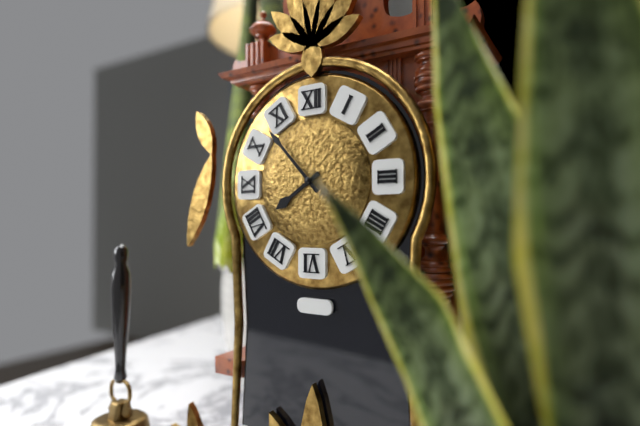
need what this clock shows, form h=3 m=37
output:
h=7 m=53
